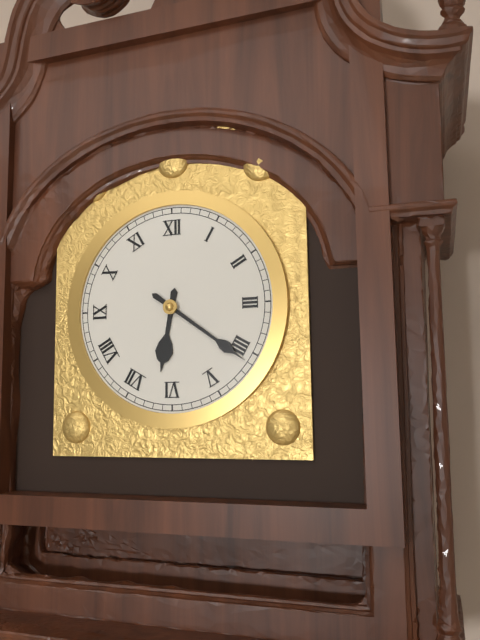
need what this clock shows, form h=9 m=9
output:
h=6 m=21
